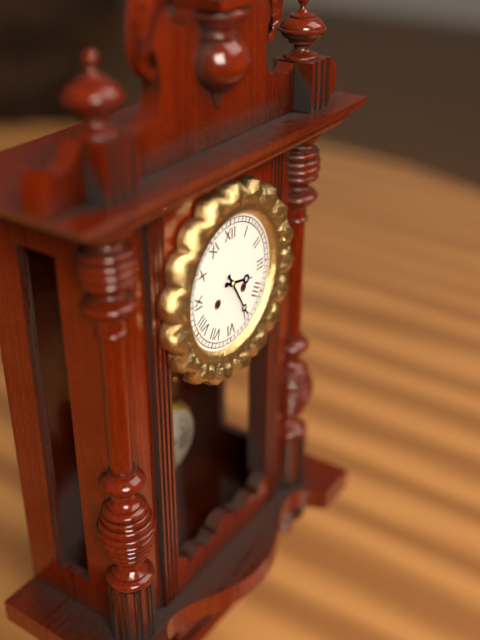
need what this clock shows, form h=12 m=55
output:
h=3 m=25
